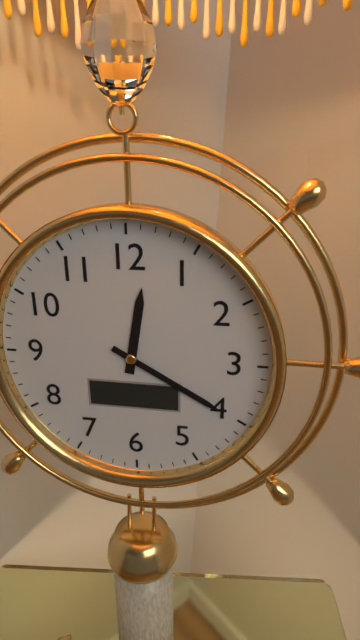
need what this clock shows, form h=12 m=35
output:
h=12 m=20
